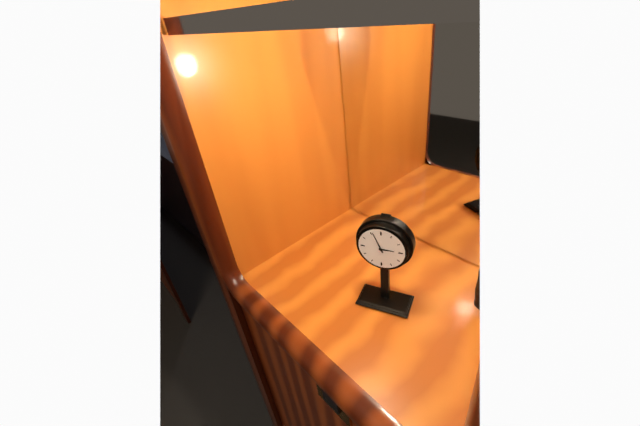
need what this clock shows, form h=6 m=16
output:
h=2 m=56
